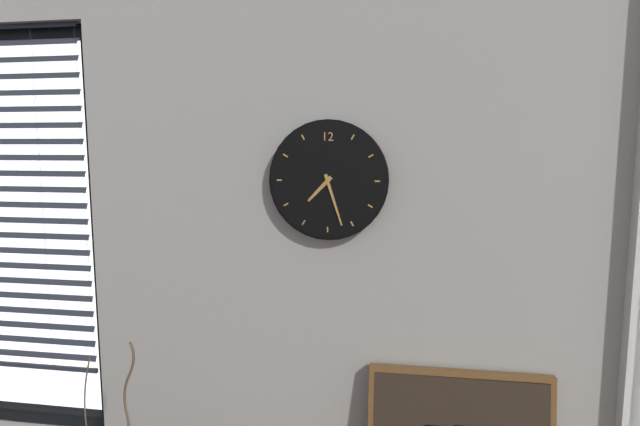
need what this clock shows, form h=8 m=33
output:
h=7 m=27
